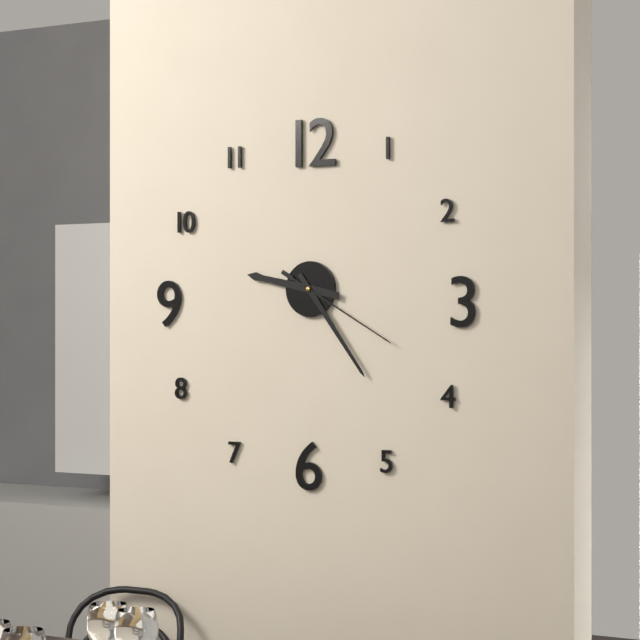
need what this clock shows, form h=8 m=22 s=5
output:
h=9 m=24 s=20
